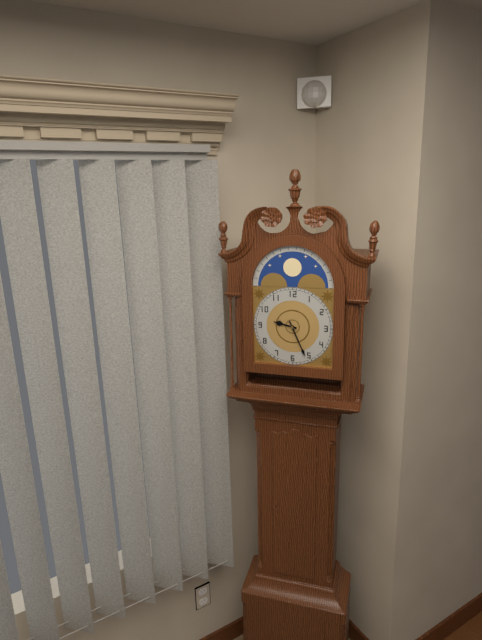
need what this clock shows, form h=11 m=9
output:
h=9 m=26
